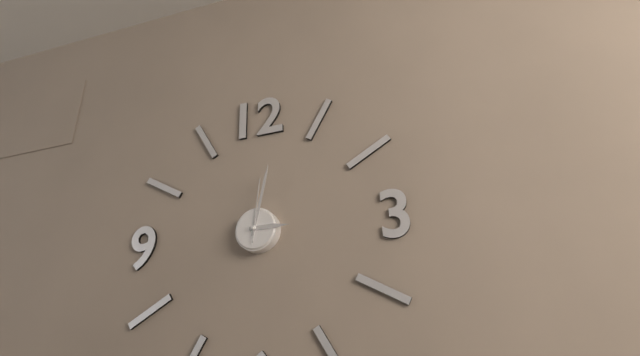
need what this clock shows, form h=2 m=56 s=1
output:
h=3 m=2 s=1
